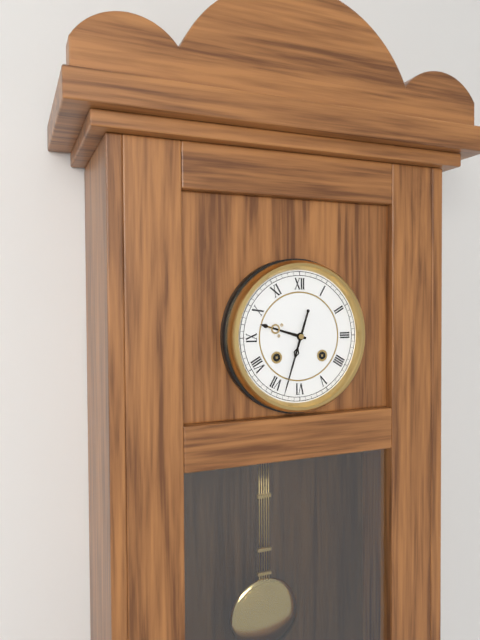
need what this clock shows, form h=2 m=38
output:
h=9 m=33
